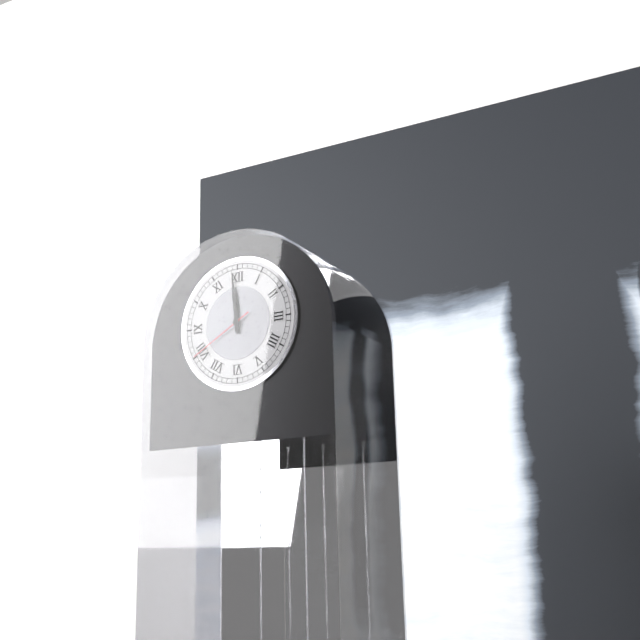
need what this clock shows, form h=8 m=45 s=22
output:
h=11 m=59 s=40
